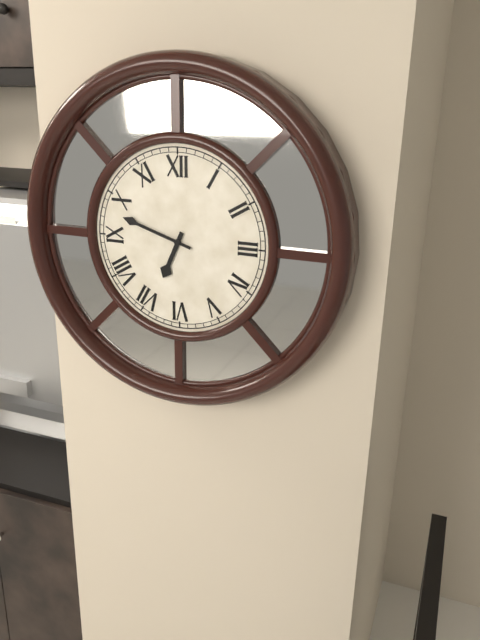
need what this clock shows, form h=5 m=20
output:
h=6 m=48
